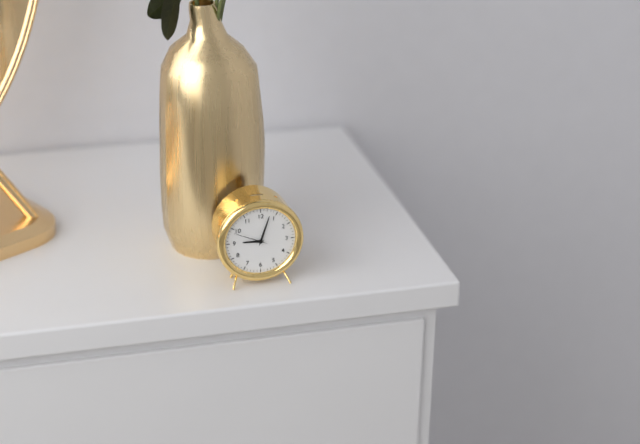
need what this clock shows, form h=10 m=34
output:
h=9 m=3
